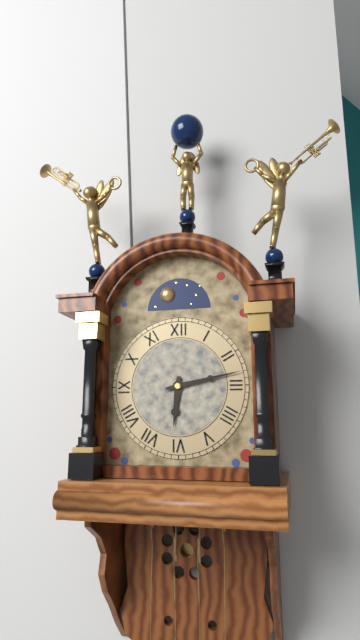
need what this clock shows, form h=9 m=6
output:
h=6 m=13
